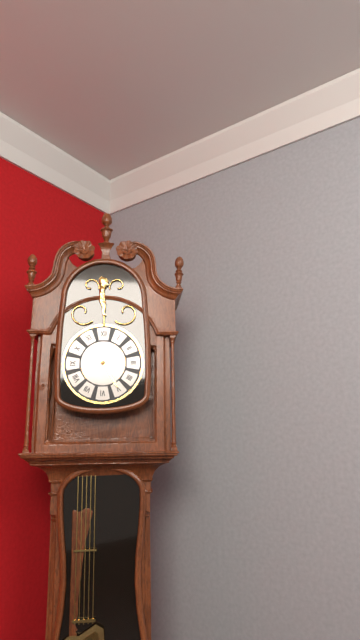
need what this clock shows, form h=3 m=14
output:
h=10 m=25
